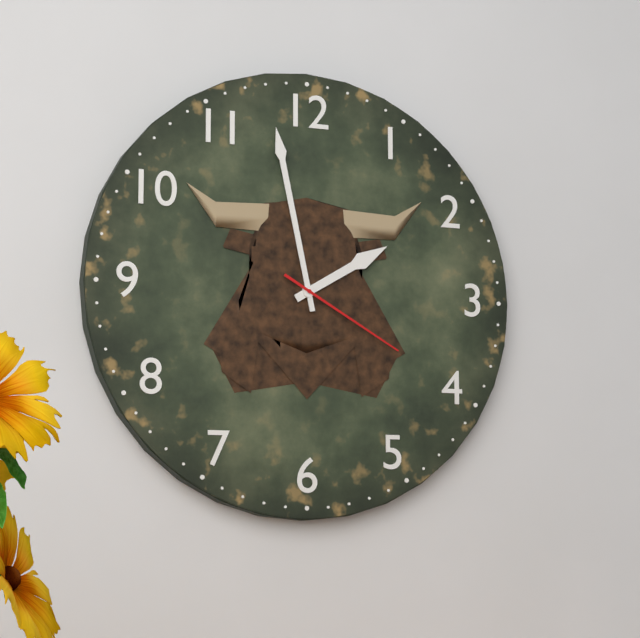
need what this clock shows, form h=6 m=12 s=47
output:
h=1 m=58 s=20
